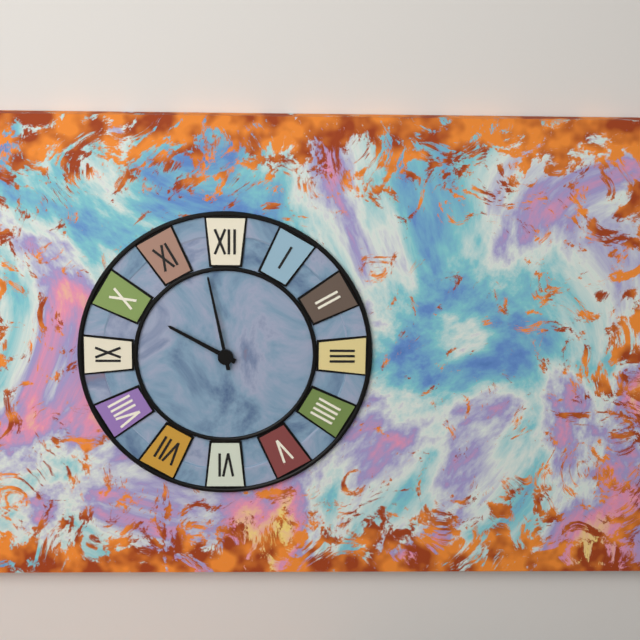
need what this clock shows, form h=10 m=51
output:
h=9 m=58
